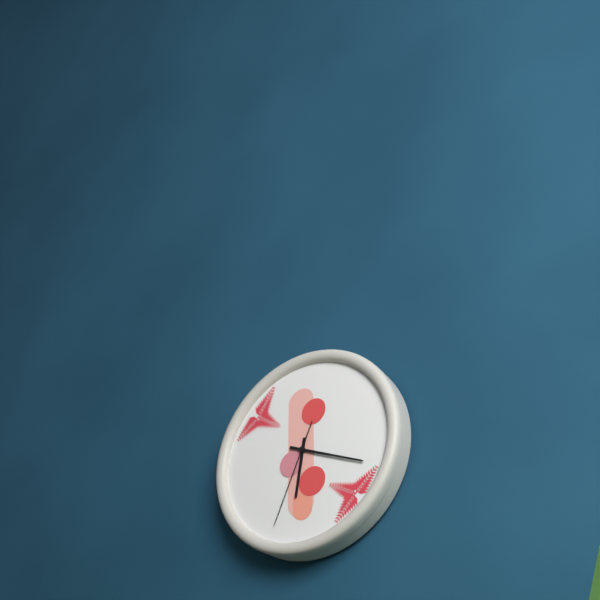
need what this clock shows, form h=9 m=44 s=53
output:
h=6 m=19 s=34
